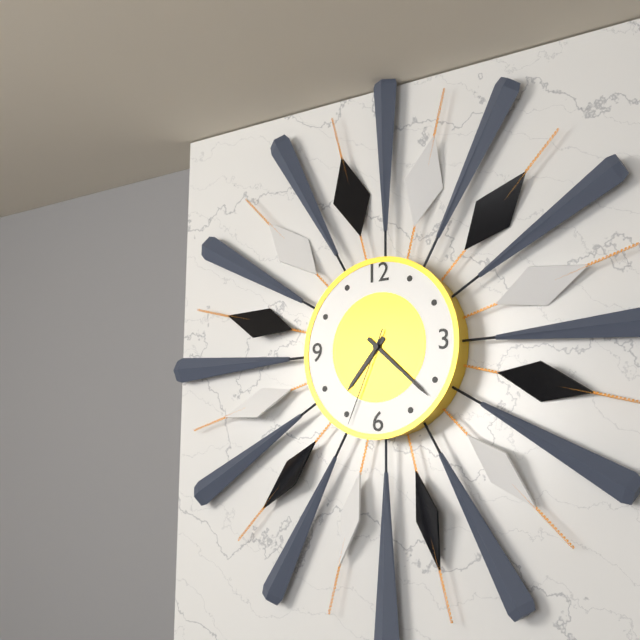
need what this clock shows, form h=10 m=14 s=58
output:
h=7 m=22 s=34
